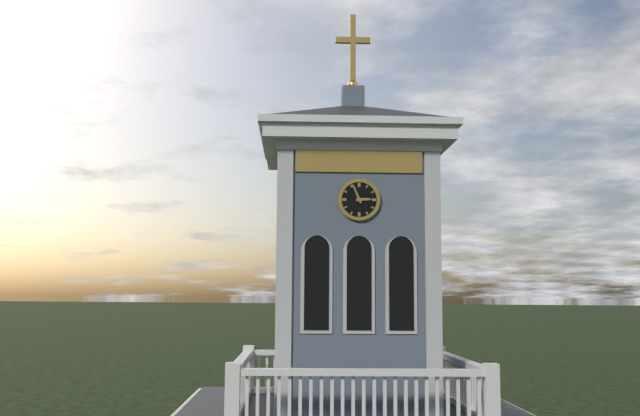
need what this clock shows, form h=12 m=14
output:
h=2 m=56
